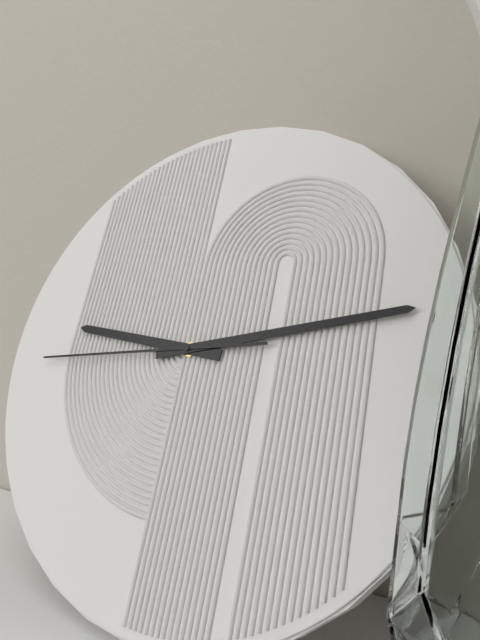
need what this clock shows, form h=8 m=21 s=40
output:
h=9 m=13 s=44
